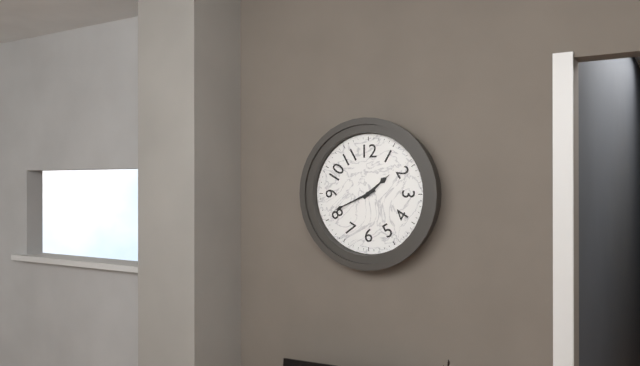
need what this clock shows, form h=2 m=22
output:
h=1 m=41
